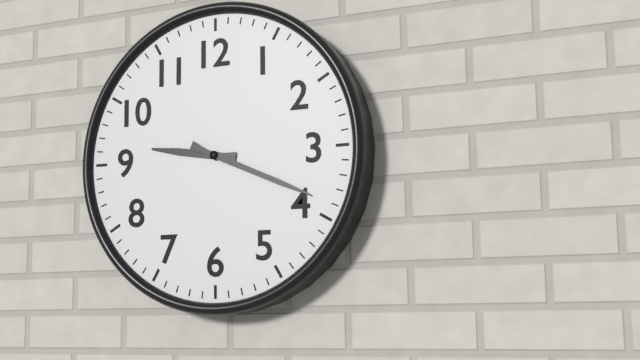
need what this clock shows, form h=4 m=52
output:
h=9 m=19
